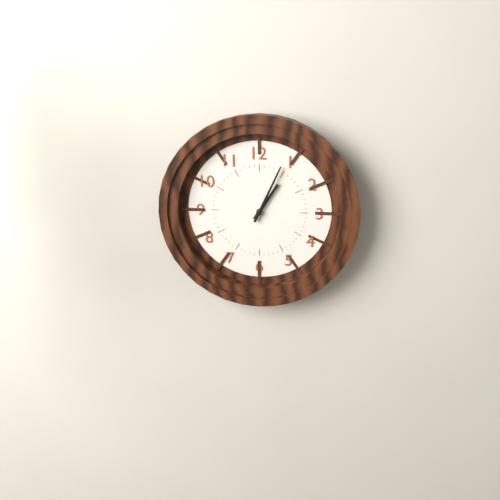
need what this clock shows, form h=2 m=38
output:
h=1 m=4
